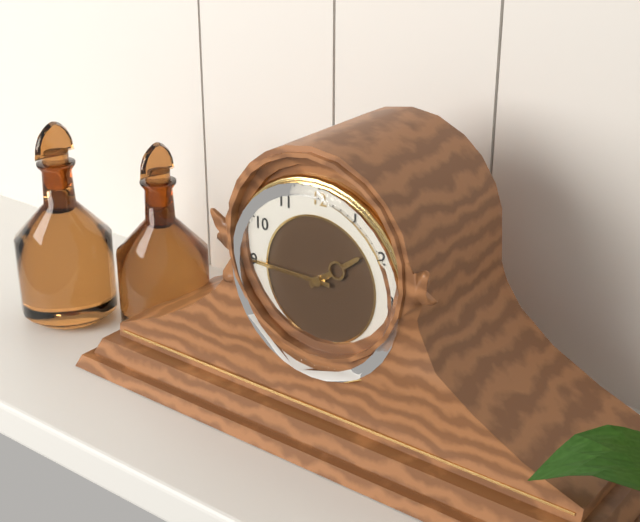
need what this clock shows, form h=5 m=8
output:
h=1 m=45
